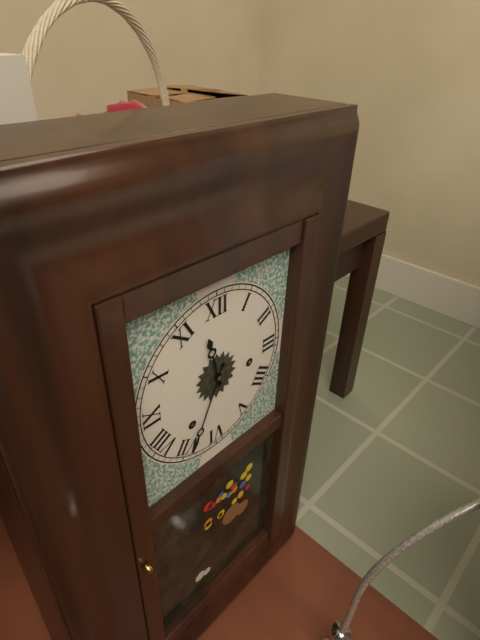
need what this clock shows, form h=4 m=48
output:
h=11 m=34
